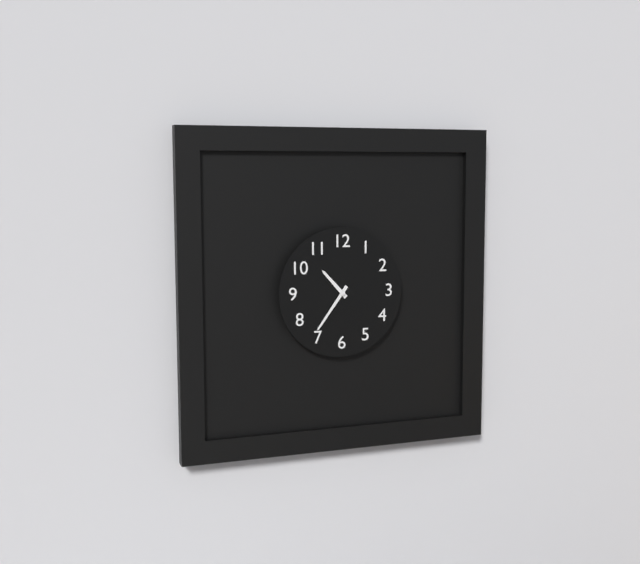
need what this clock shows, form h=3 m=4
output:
h=10 m=36
